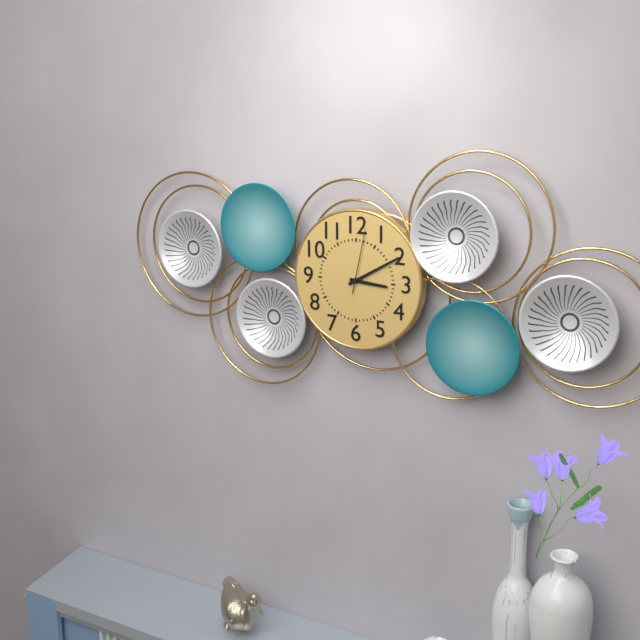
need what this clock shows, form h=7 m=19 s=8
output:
h=3 m=10 s=2
